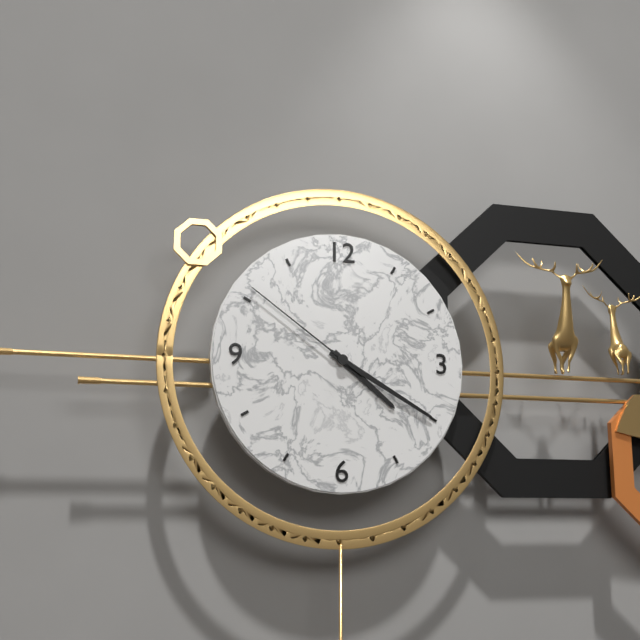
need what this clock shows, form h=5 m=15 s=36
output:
h=4 m=20 s=51
